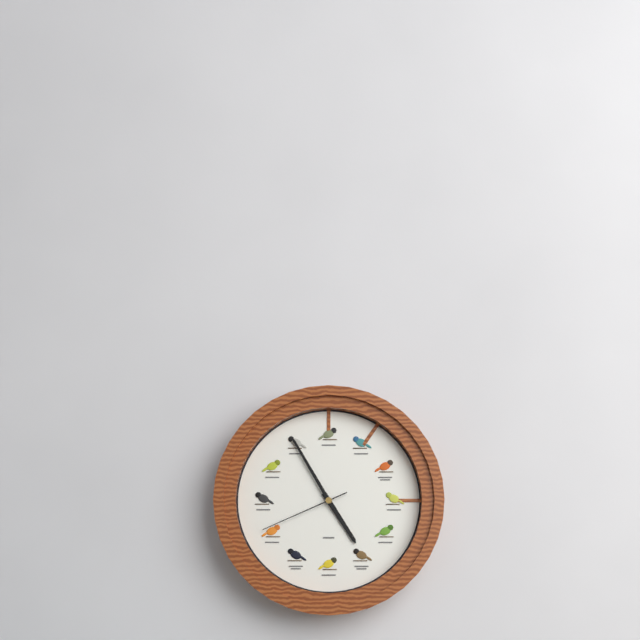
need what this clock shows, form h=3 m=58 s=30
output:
h=4 m=55 s=41
